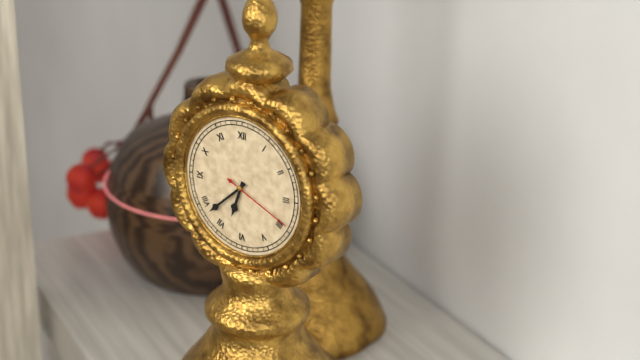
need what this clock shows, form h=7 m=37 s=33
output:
h=6 m=38 s=19
